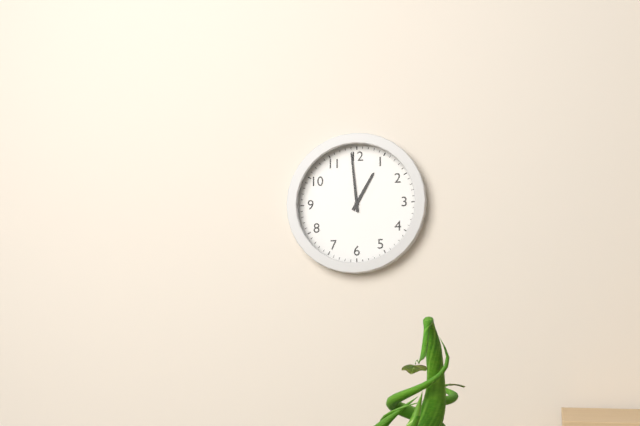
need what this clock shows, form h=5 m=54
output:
h=12 m=59
